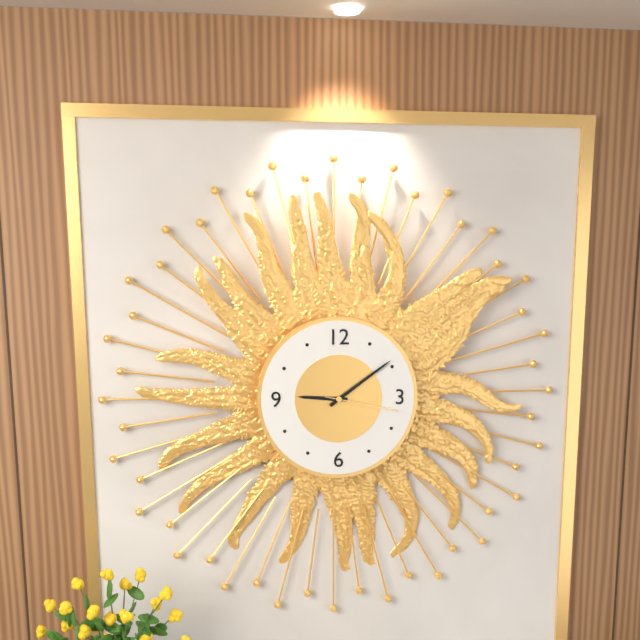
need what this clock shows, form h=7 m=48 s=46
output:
h=9 m=9 s=17
